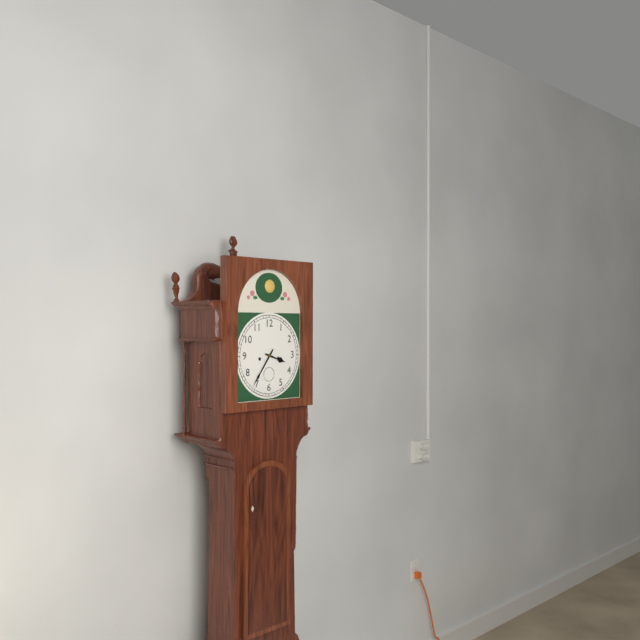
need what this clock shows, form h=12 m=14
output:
h=3 m=36
